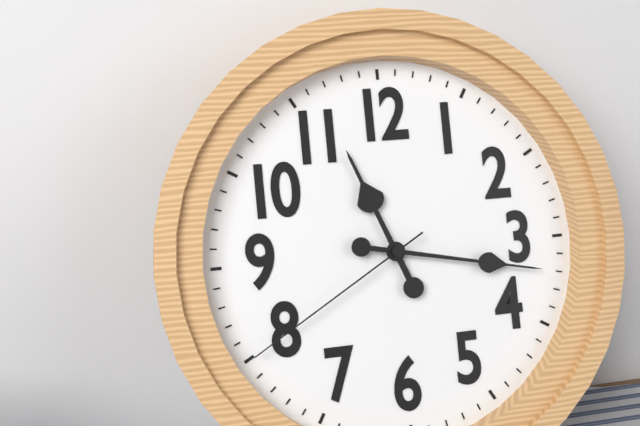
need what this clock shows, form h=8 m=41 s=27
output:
h=11 m=17 s=40
